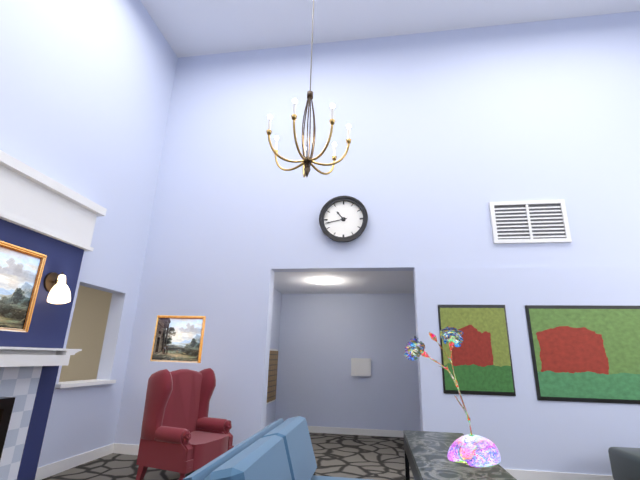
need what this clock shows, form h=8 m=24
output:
h=10 m=43
